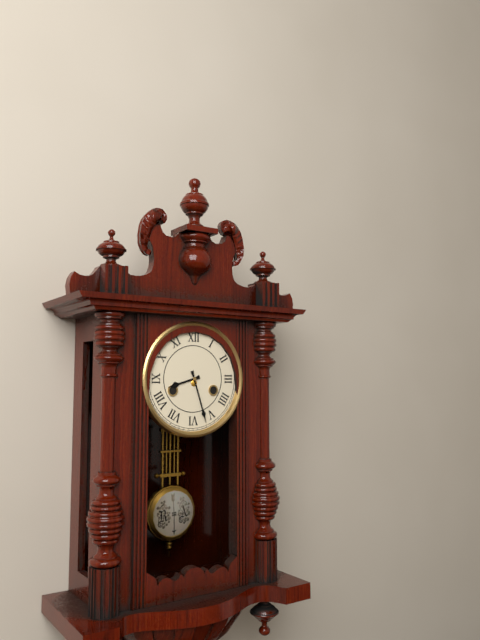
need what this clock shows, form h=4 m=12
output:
h=8 m=27
